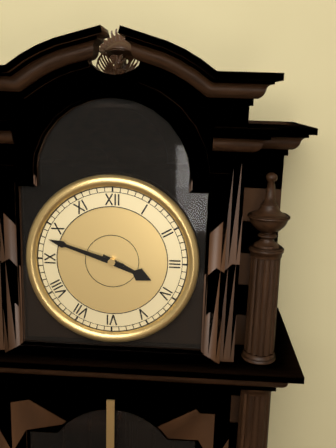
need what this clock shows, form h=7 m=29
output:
h=3 m=48
